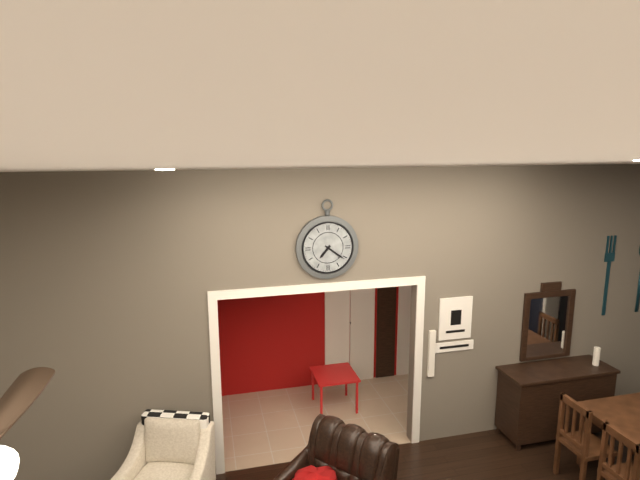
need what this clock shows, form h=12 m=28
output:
h=7 m=21
